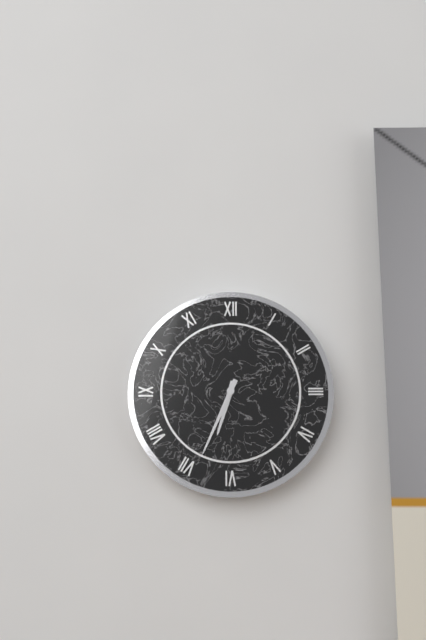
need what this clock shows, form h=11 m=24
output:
h=6 m=34
